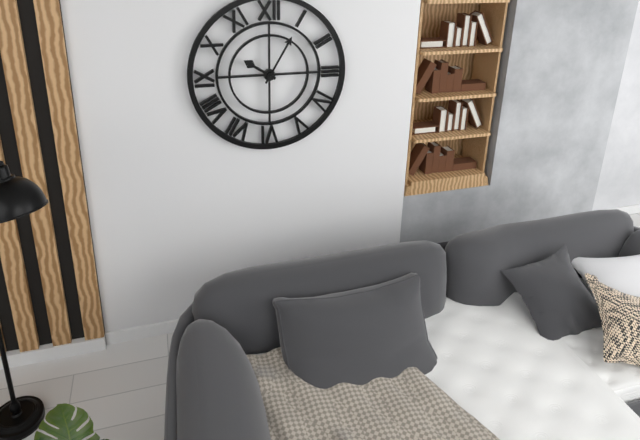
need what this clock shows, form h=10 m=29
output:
h=10 m=5
